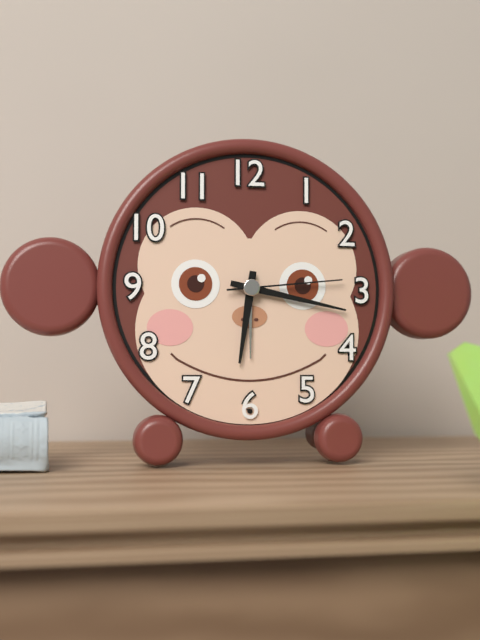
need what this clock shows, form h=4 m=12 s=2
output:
h=6 m=17 s=14
